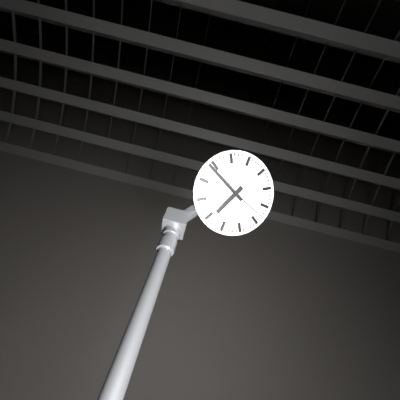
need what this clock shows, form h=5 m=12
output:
h=6 m=49
